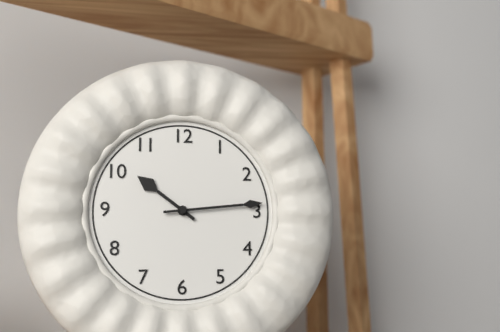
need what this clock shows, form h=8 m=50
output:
h=10 m=14
